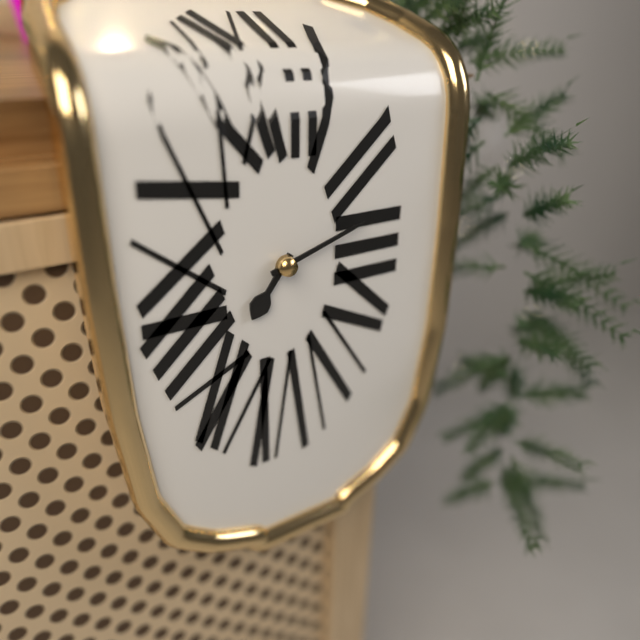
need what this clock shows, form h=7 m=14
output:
h=7 m=12
